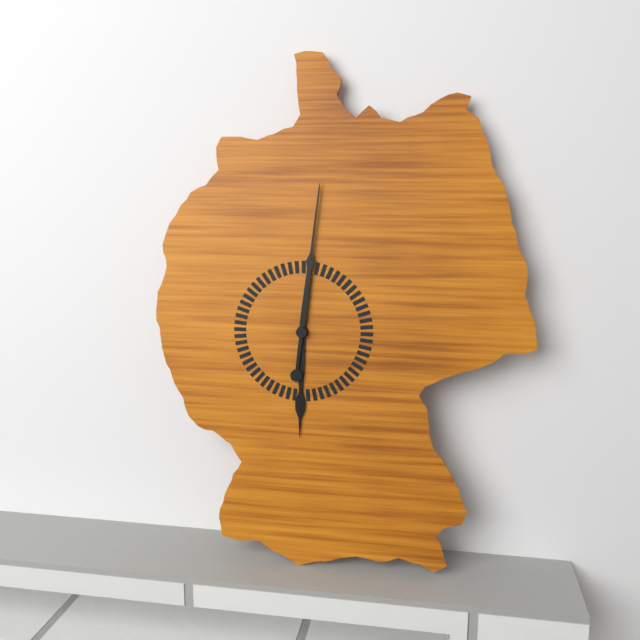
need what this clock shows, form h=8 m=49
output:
h=6 m=1
